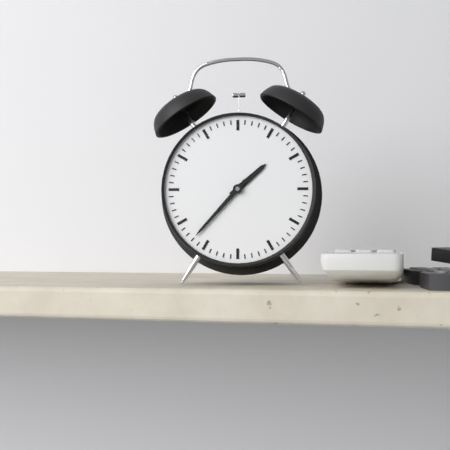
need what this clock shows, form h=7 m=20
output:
h=1 m=37
